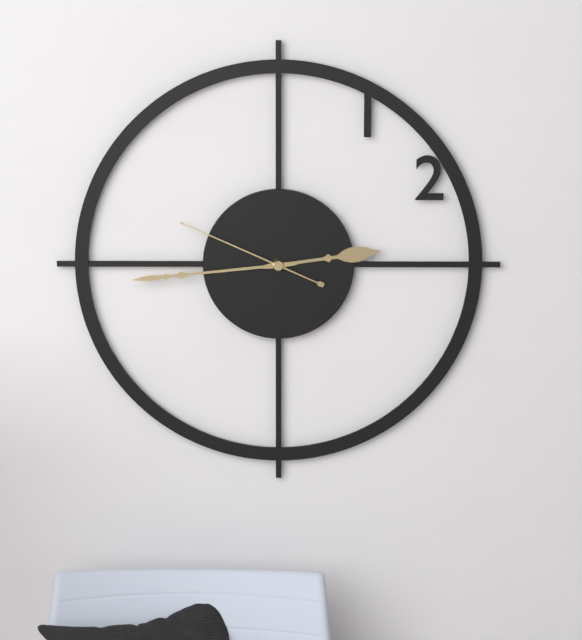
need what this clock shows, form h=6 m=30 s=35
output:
h=2 m=44 s=49
